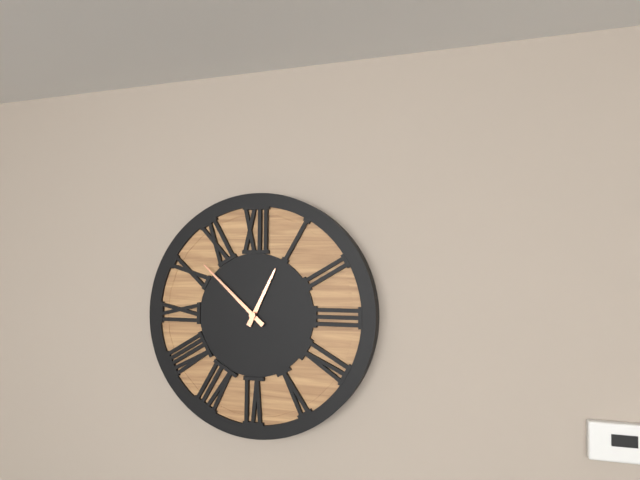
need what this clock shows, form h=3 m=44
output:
h=12 m=52
